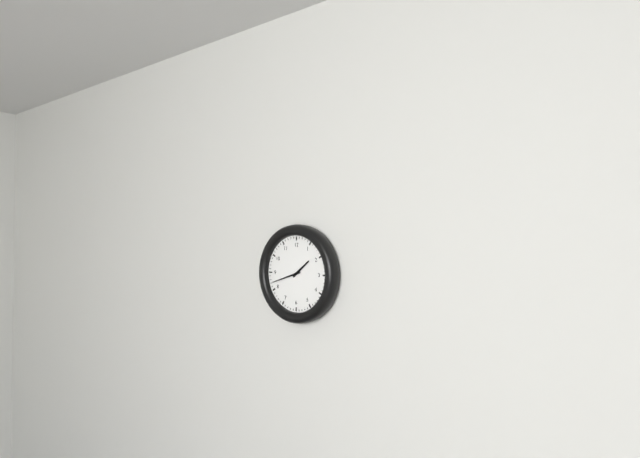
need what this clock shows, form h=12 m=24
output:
h=1 m=42
